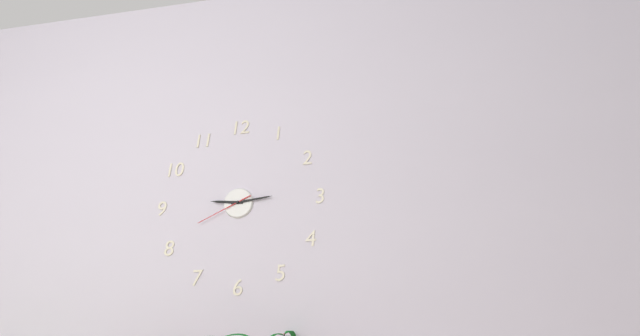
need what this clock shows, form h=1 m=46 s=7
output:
h=9 m=14 s=41
